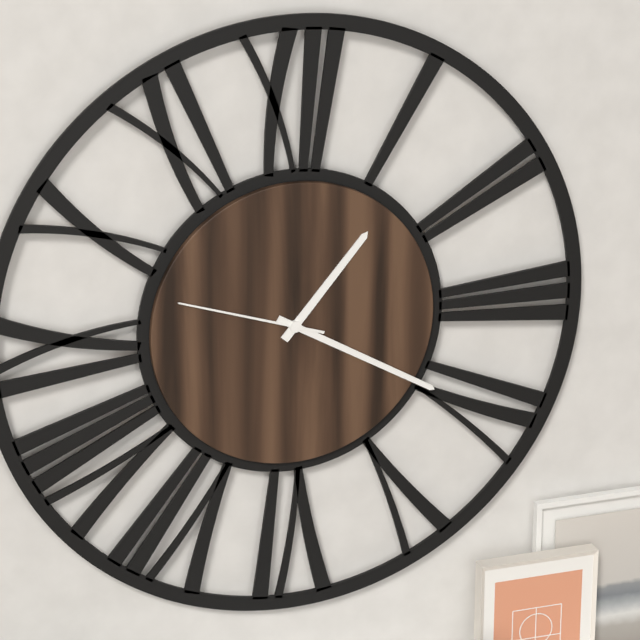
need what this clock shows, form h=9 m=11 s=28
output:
h=1 m=20 s=48
